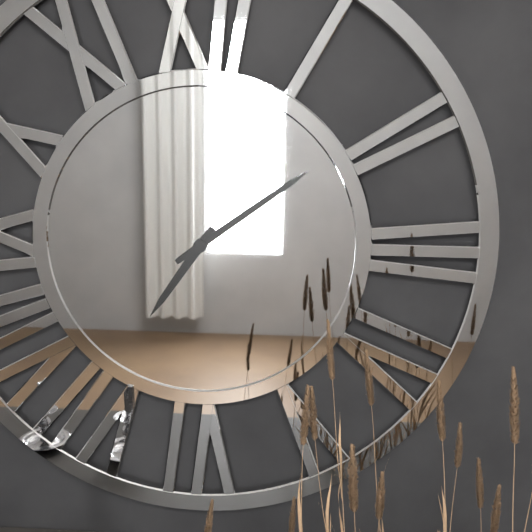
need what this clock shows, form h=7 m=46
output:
h=7 m=9
